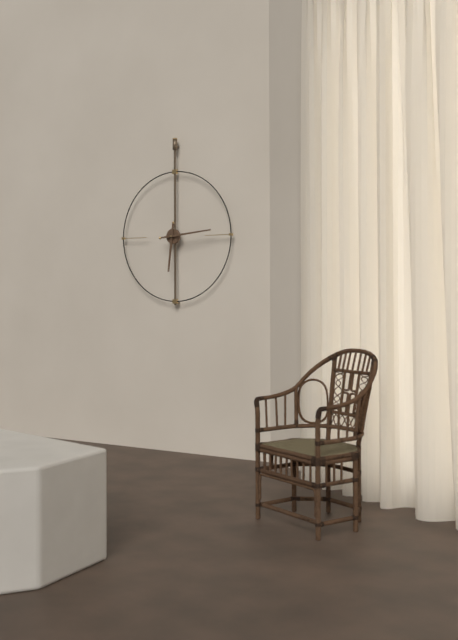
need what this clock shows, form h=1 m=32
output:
h=6 m=14
